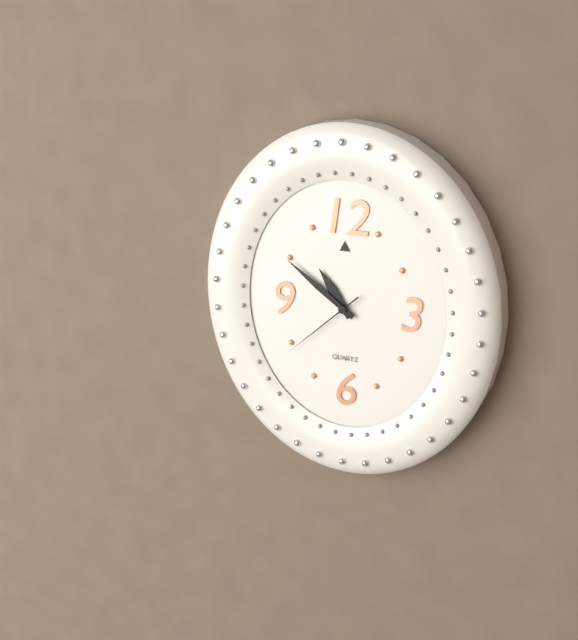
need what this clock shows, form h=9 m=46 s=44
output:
h=10 m=51 s=38
